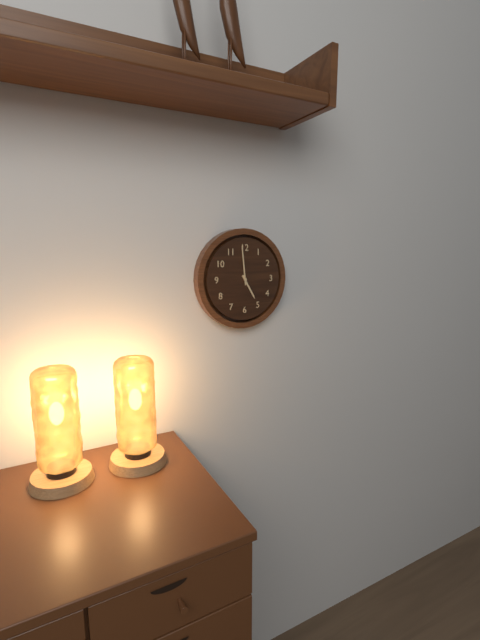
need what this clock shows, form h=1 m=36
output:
h=4 m=59
